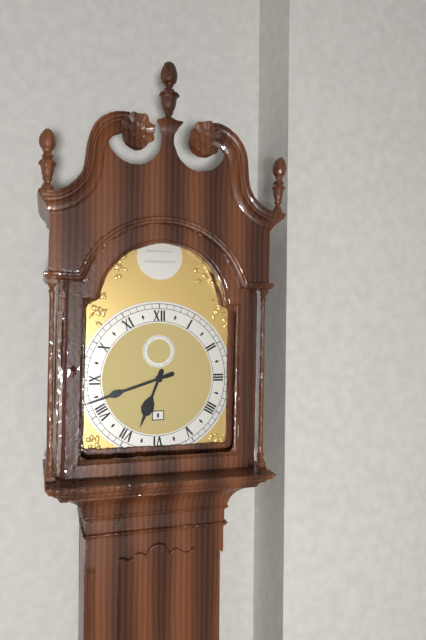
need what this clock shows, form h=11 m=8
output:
h=6 m=42
